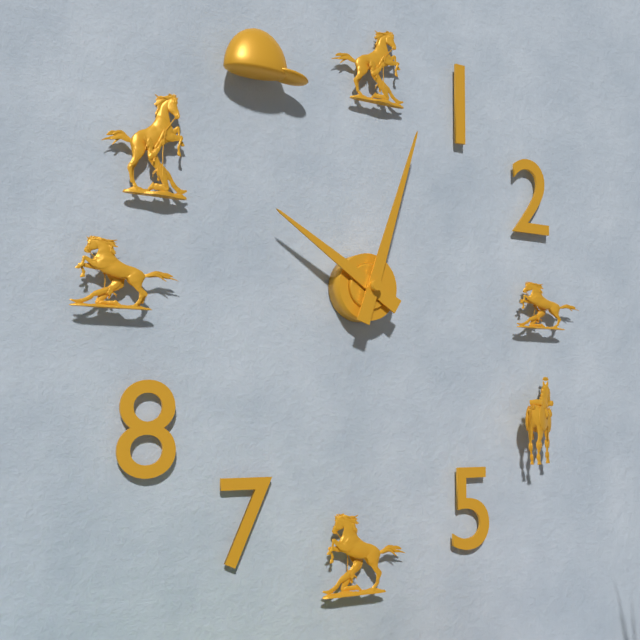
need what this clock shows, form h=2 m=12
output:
h=10 m=3
